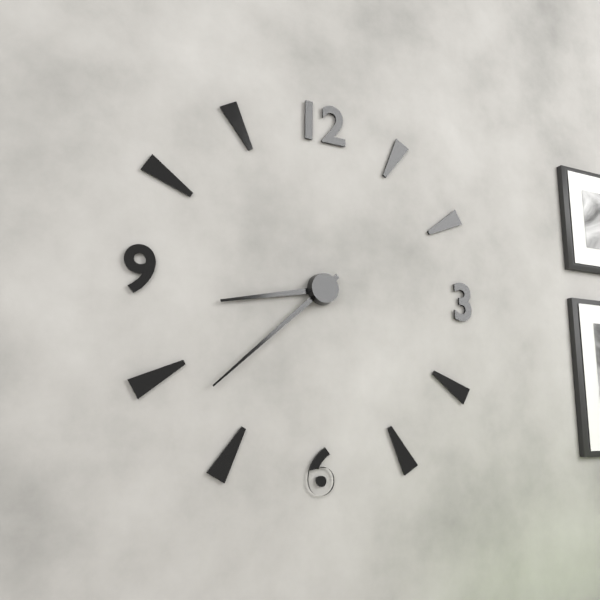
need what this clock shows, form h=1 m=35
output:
h=8 m=38
